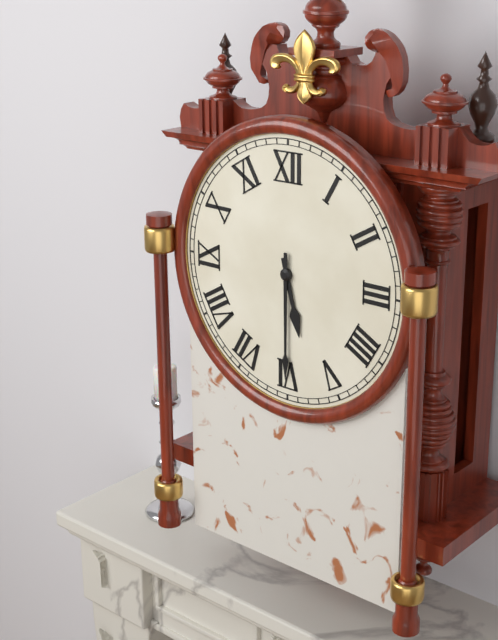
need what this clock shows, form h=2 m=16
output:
h=5 m=30
